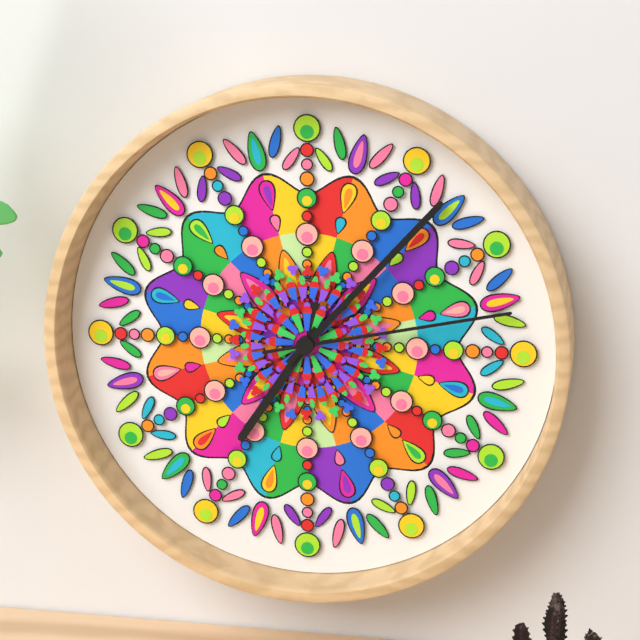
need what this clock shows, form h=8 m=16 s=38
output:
h=7 m=7 s=13
